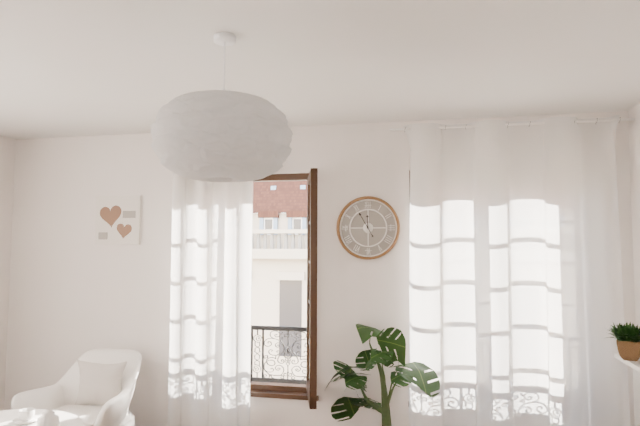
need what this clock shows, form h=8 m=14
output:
h=11 m=55
